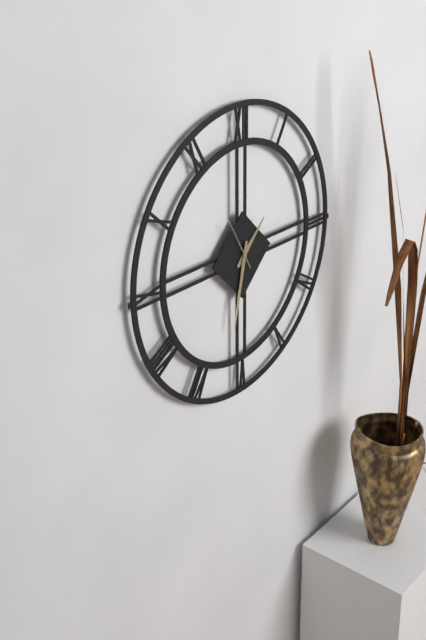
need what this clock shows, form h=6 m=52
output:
h=1 m=32
